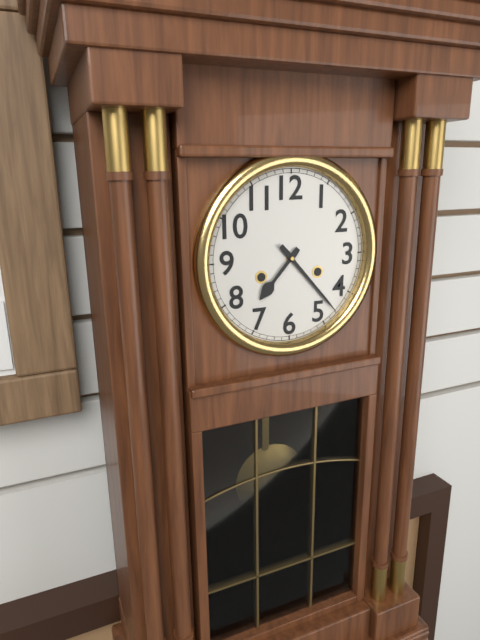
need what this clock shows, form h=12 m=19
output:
h=7 m=23
